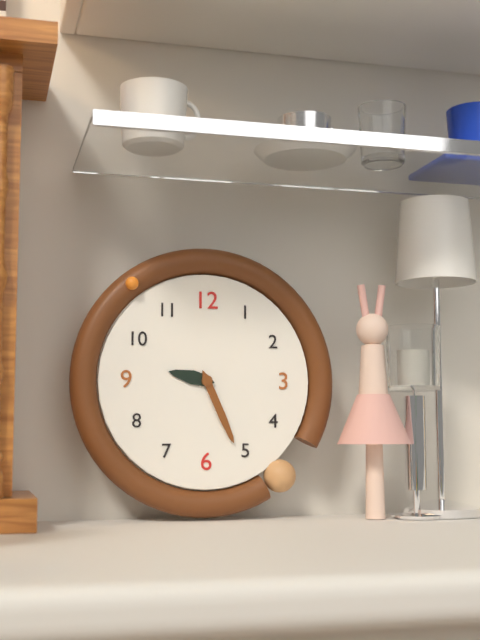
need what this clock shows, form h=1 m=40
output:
h=9 m=26
